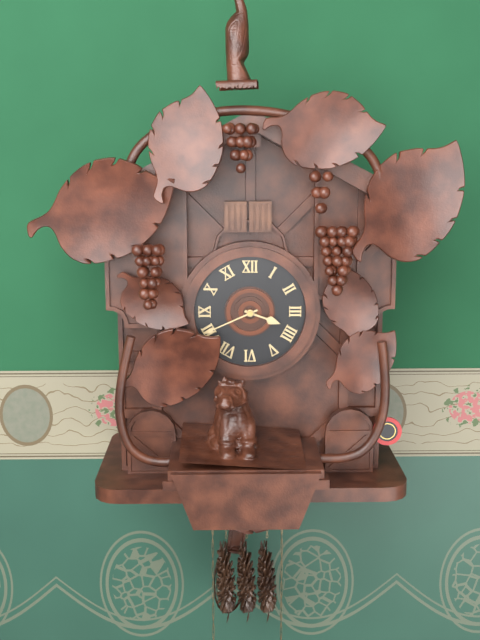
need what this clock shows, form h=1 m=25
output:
h=3 m=41
